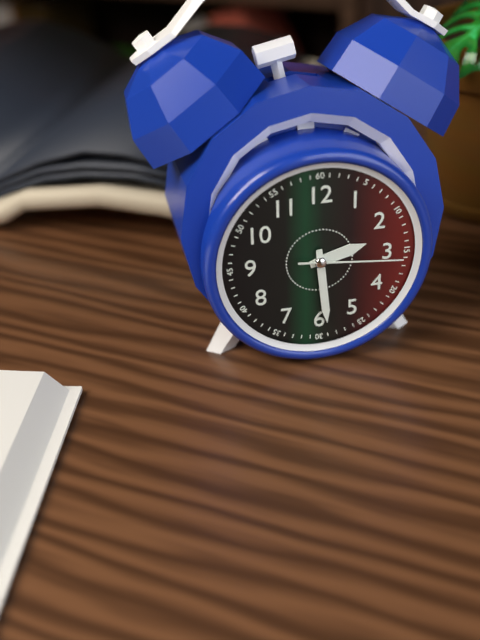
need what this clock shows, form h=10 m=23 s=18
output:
h=2 m=29 s=16
